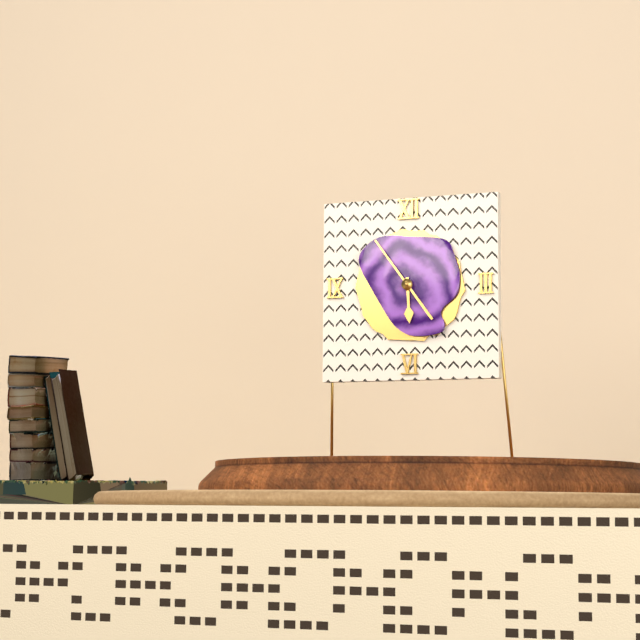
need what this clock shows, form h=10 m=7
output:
h=5 m=54
